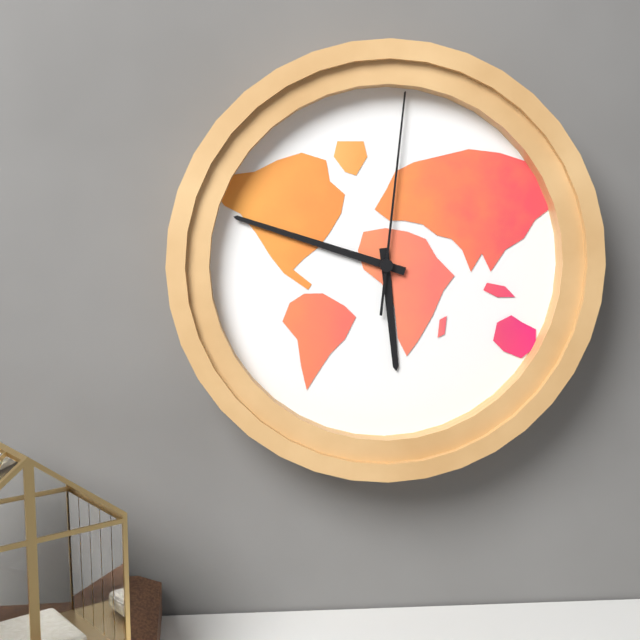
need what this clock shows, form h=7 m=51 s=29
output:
h=5 m=48 s=1
